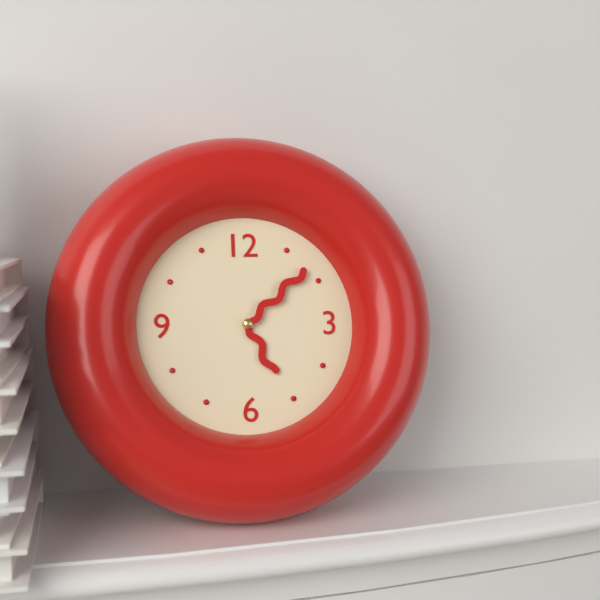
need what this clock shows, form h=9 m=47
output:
h=5 m=8
